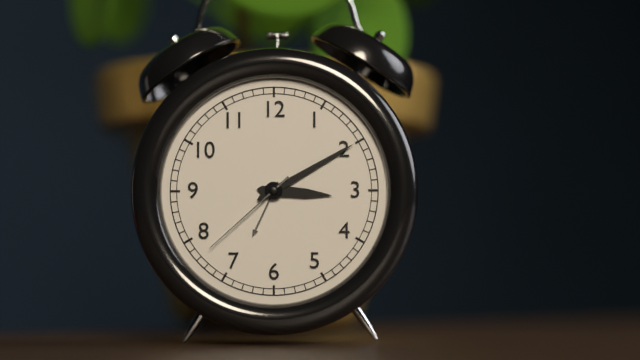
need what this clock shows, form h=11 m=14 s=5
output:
h=3 m=10 s=38
